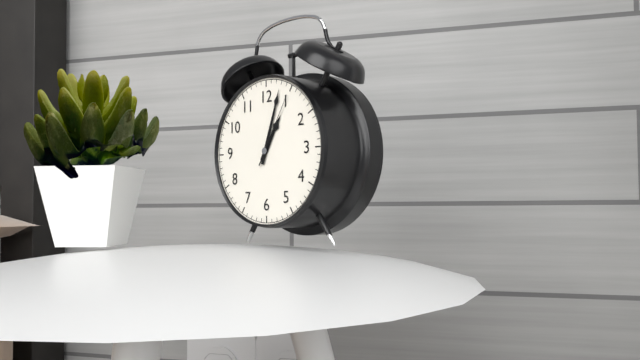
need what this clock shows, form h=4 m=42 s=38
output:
h=1 m=3 s=5
